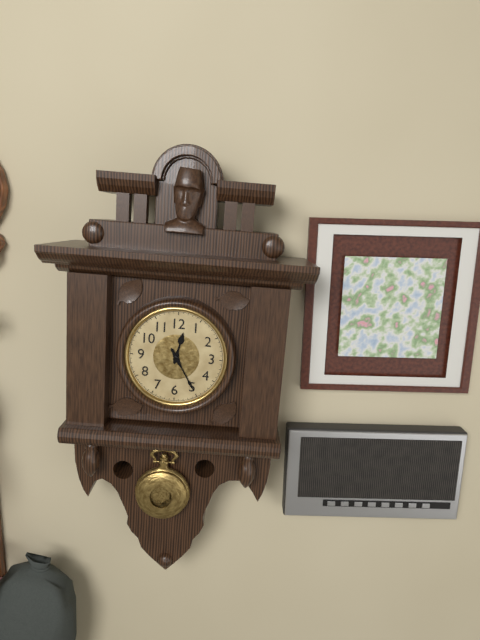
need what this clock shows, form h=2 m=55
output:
h=12 m=25
